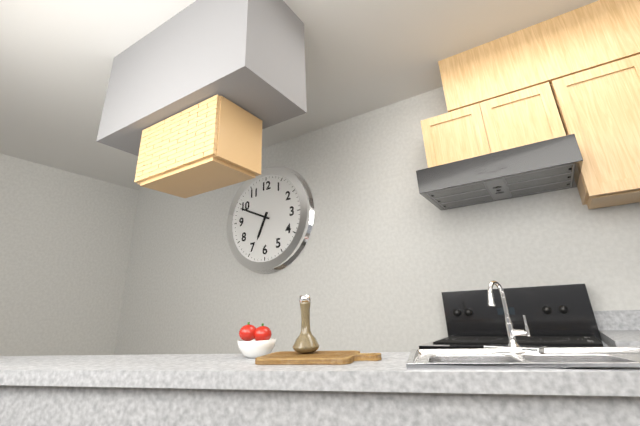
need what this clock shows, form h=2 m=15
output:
h=6 m=49
